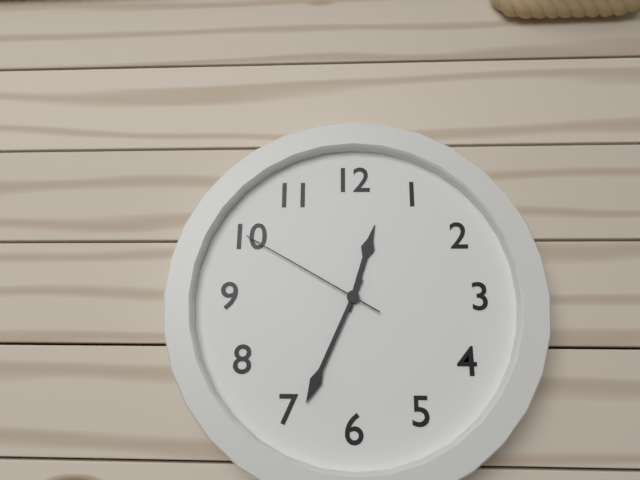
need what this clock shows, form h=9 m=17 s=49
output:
h=12 m=34 s=50
